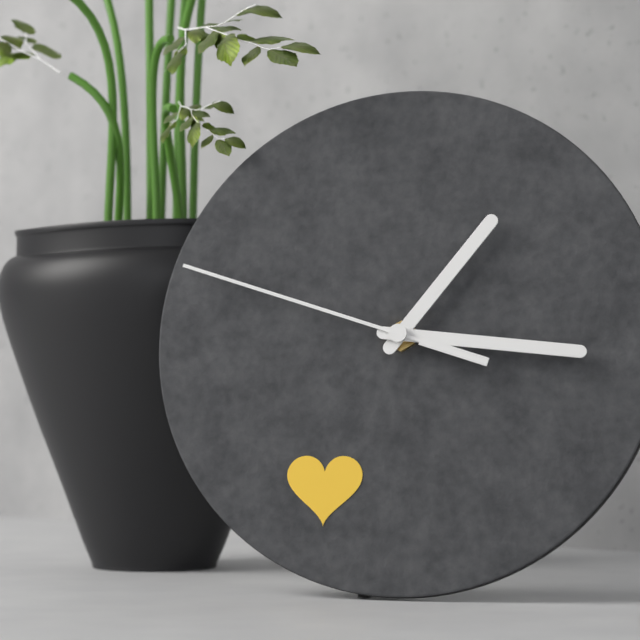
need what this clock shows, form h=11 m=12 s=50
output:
h=1 m=16 s=48
